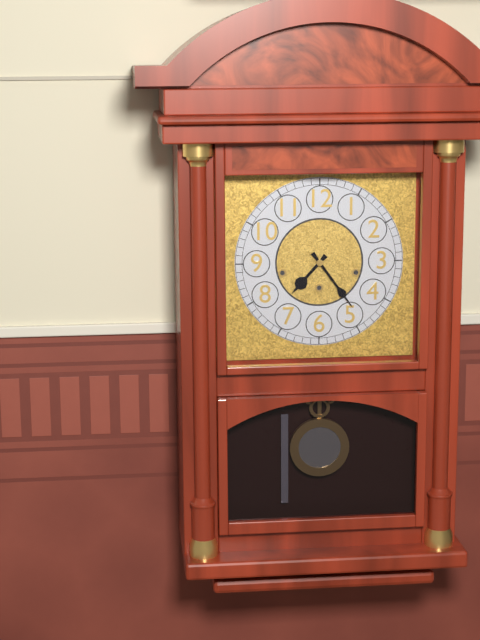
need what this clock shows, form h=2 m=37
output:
h=7 m=24
